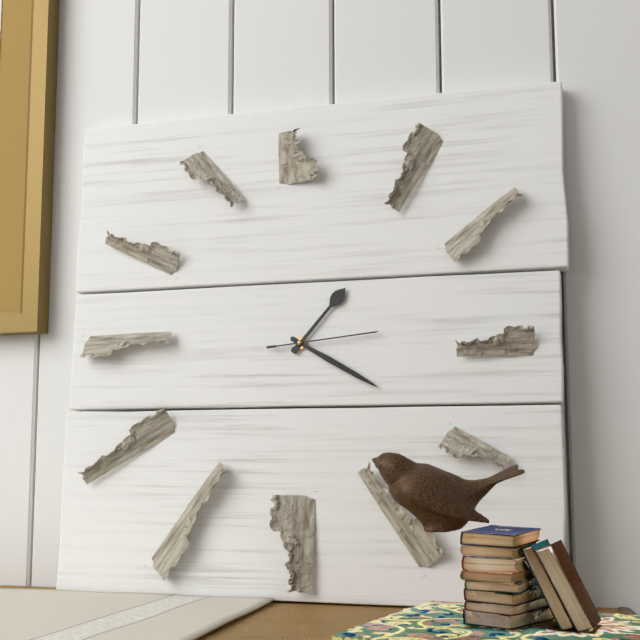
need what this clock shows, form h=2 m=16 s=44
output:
h=1 m=20 s=14
